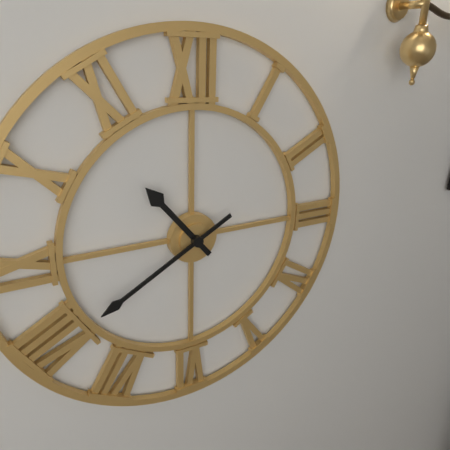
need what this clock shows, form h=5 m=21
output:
h=10 m=40
